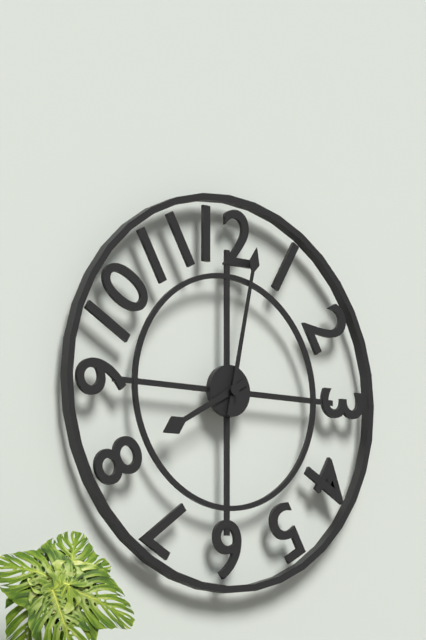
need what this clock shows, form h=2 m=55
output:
h=8 m=2
